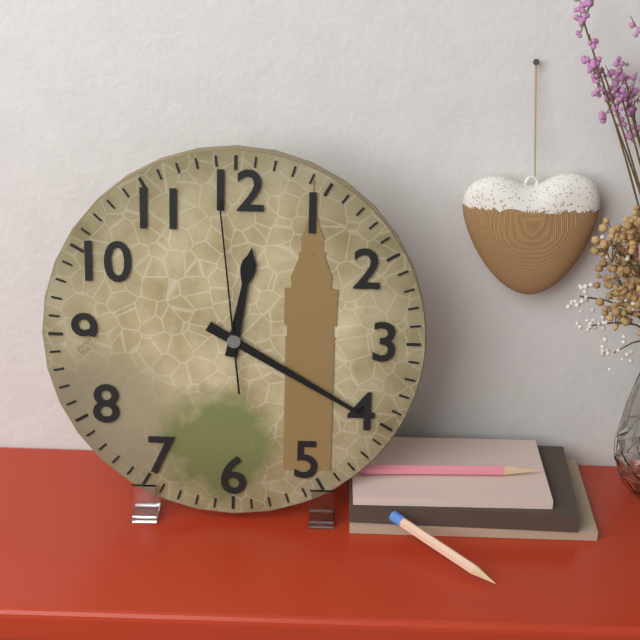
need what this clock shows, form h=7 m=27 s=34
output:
h=12 m=20 s=59
